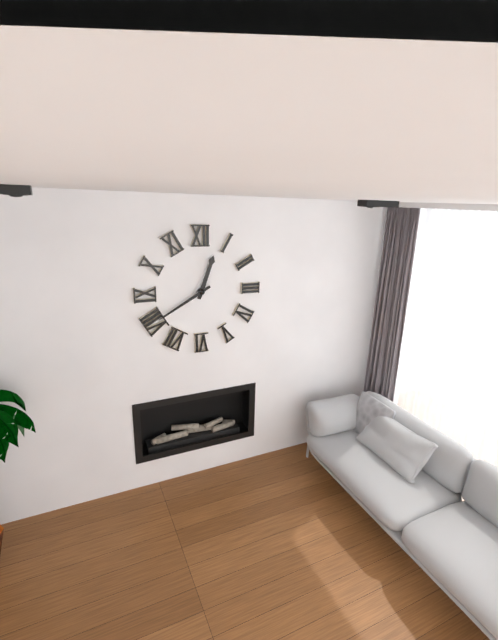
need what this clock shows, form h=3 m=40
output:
h=12 m=40
